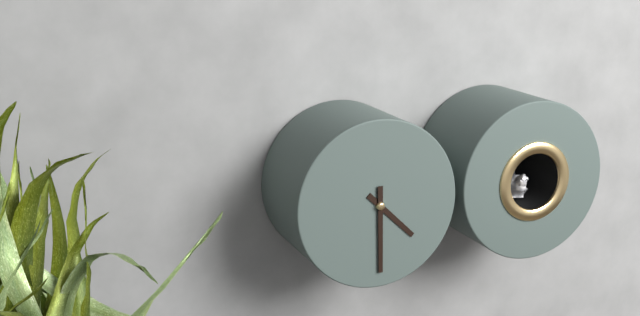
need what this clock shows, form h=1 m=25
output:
h=4 m=30
